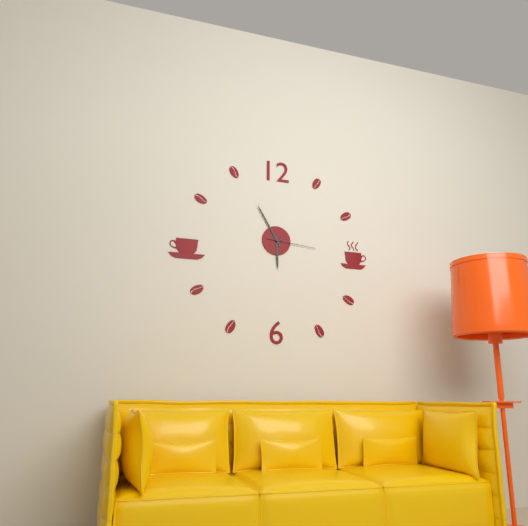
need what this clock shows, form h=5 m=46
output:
h=5 m=55
